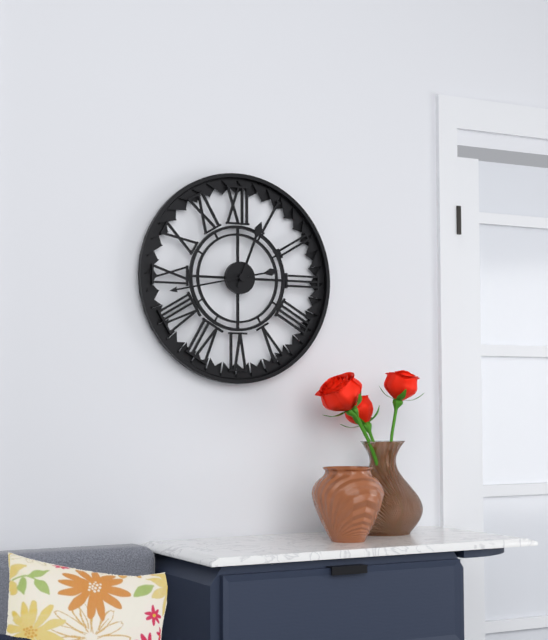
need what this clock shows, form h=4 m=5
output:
h=12 m=43
